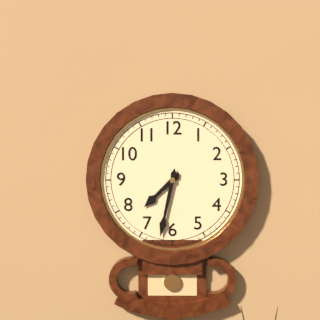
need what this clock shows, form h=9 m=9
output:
h=7 m=32
